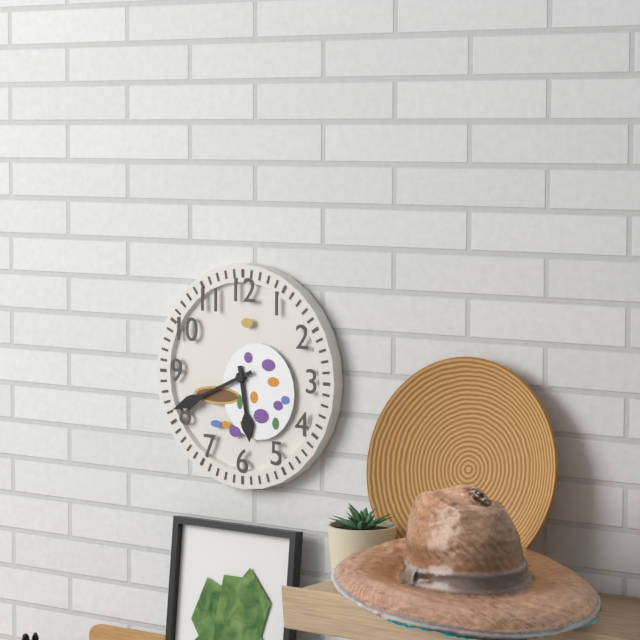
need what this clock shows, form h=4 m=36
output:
h=5 m=41
